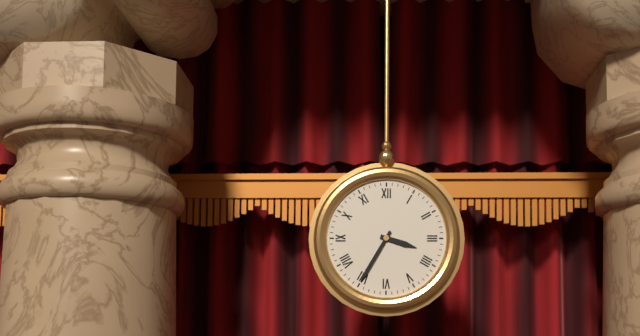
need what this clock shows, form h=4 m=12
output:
h=3 m=35
